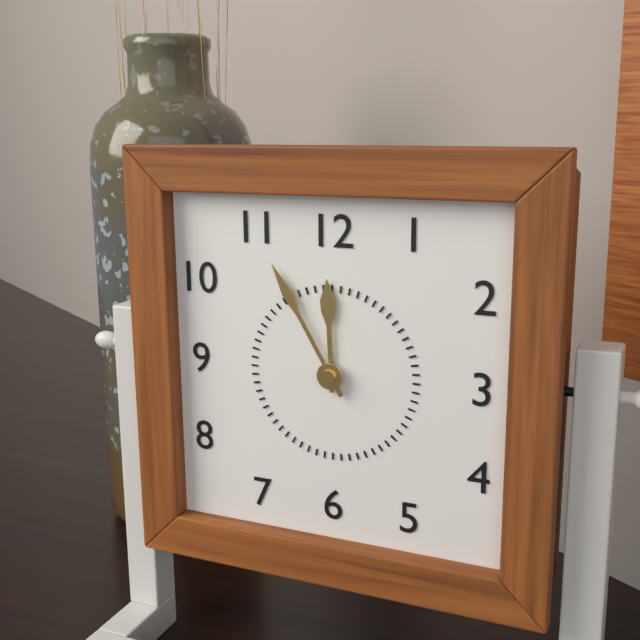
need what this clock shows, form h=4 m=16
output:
h=11 m=55
